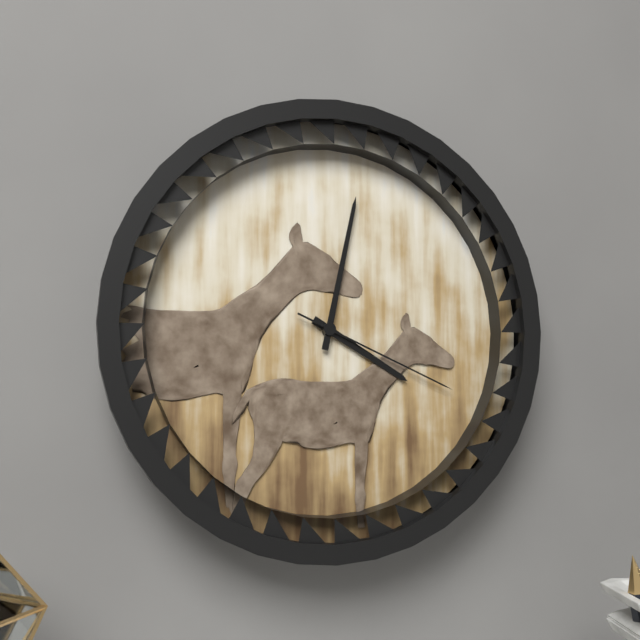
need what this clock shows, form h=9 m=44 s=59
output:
h=4 m=2 s=19
